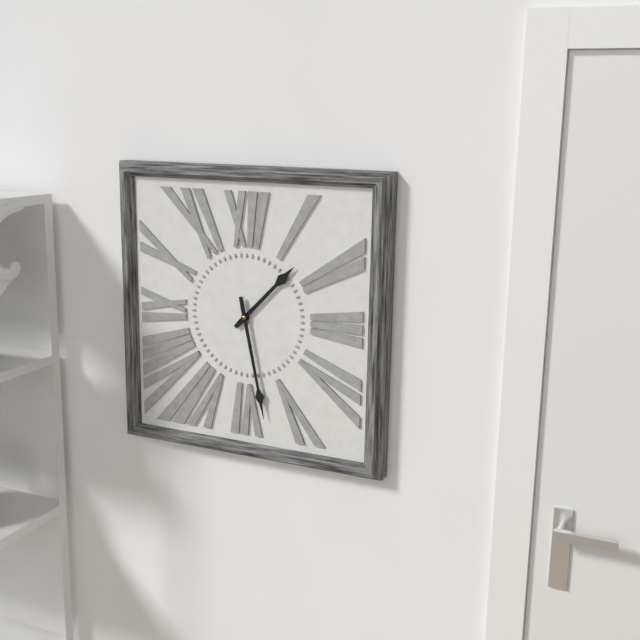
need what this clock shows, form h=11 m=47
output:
h=1 m=28
